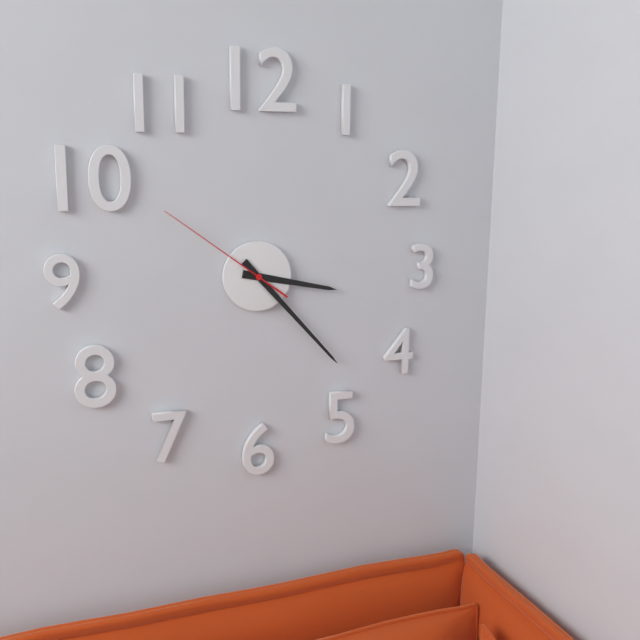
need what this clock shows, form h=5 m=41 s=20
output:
h=3 m=23 s=51
